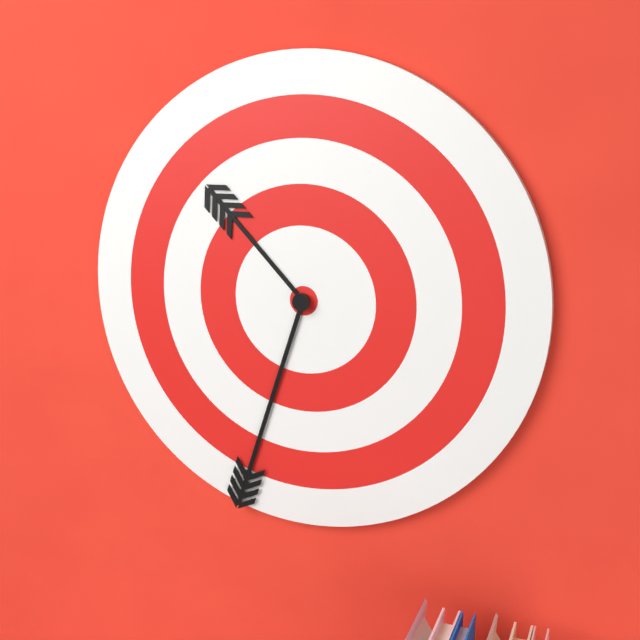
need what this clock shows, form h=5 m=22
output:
h=10 m=33
